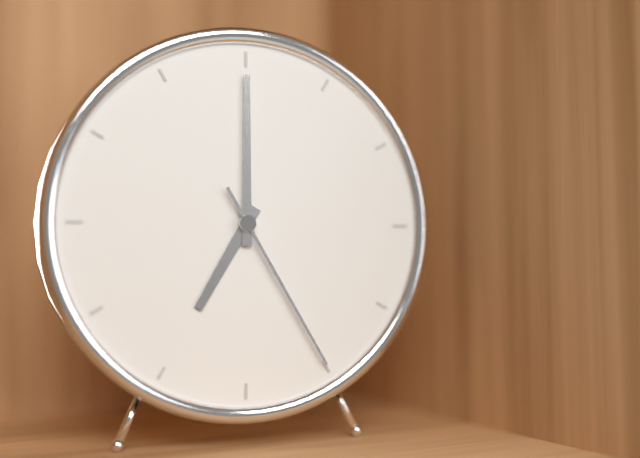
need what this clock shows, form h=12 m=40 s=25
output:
h=7 m=0 s=25
